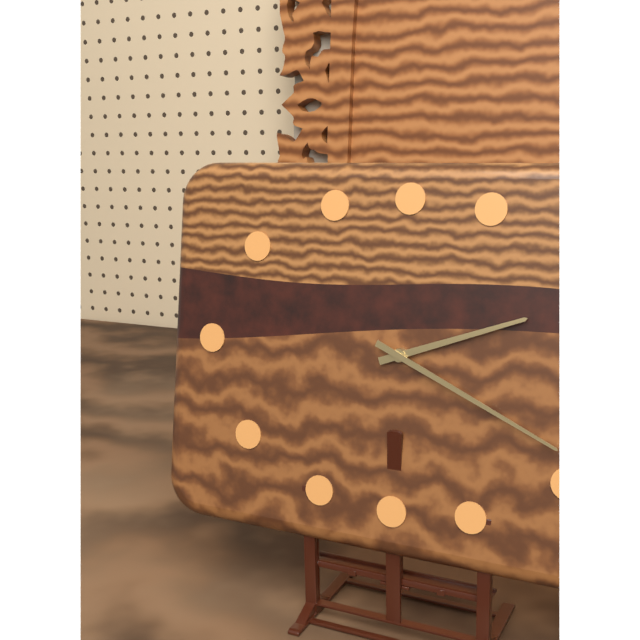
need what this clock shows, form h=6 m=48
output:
h=2 m=19
